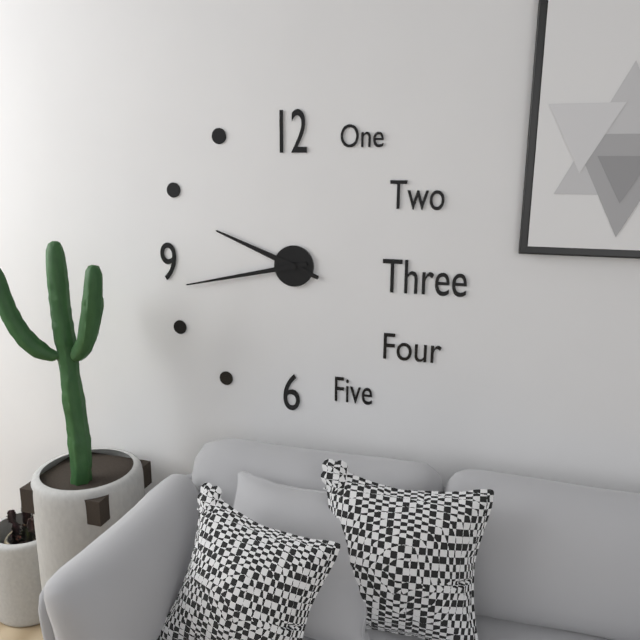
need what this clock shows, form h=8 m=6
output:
h=9 m=43
